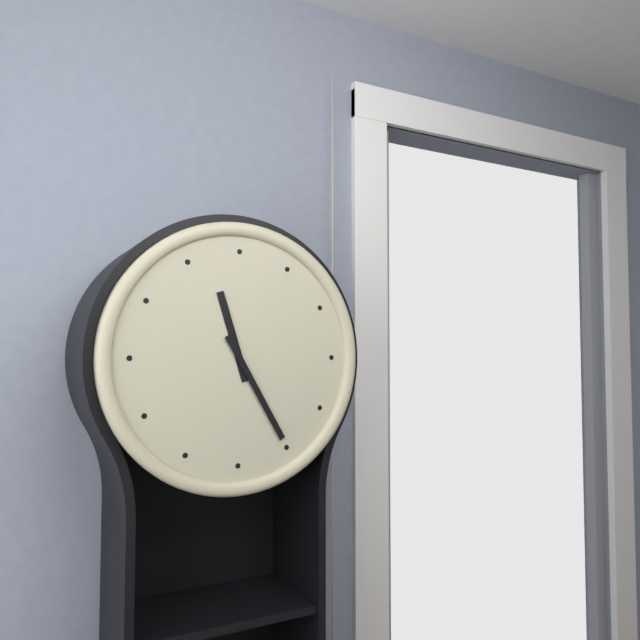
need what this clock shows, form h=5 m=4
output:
h=11 m=25
